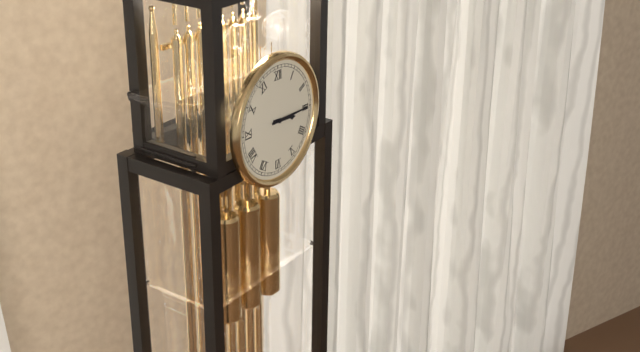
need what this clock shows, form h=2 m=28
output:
h=3 m=15
